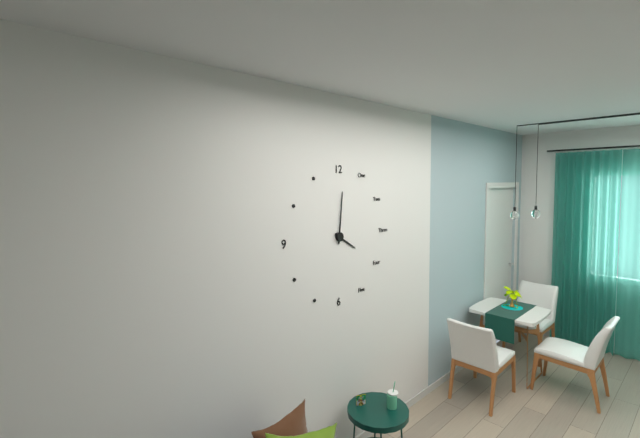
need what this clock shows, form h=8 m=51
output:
h=4 m=1
